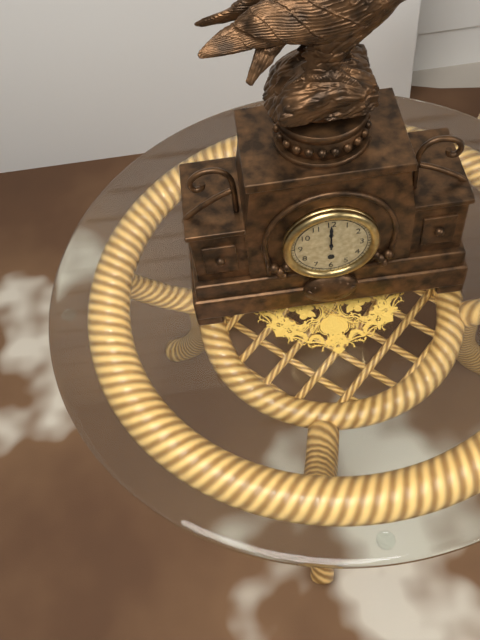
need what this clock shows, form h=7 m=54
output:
h=12 m=0
